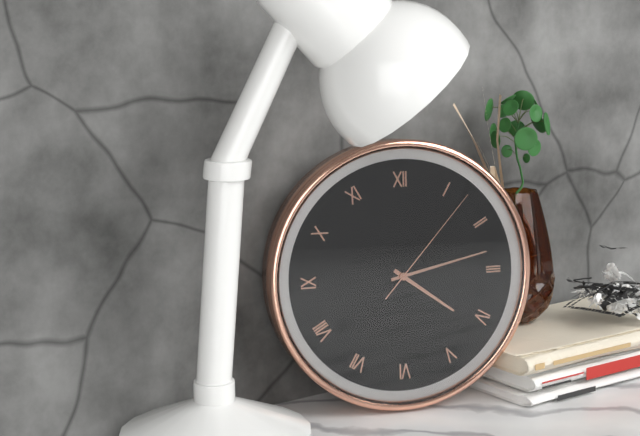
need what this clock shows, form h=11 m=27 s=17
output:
h=4 m=13 s=7
